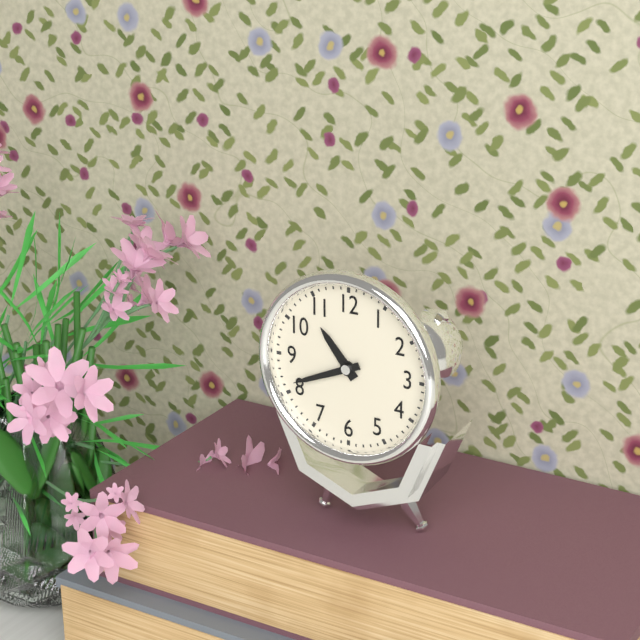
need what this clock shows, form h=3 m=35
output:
h=10 m=41
